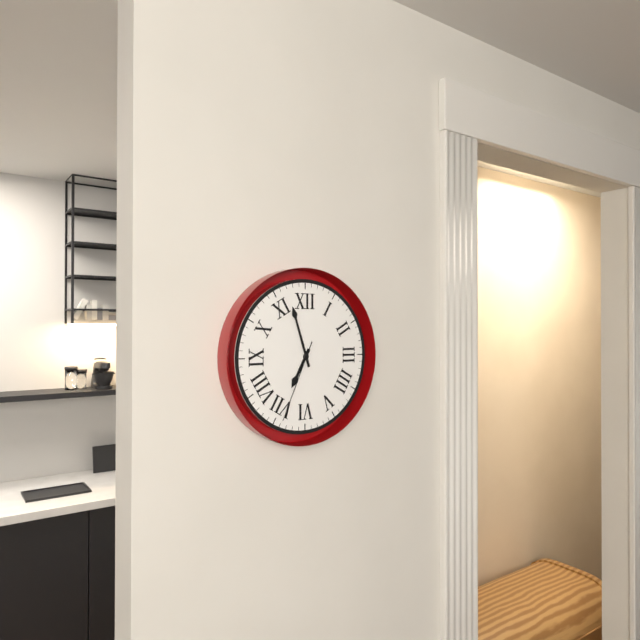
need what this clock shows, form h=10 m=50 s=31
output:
h=6 m=57 s=34
